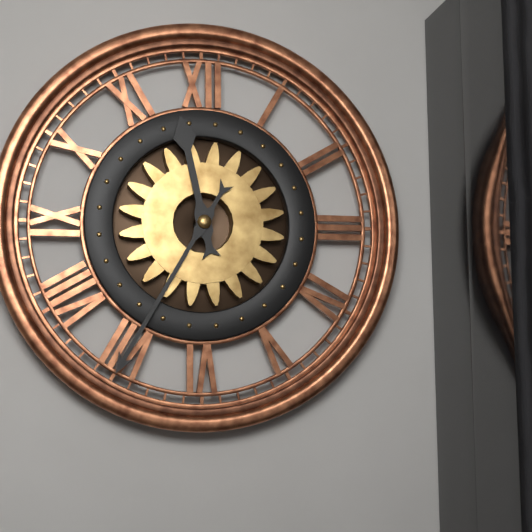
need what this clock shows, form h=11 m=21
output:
h=11 m=35
